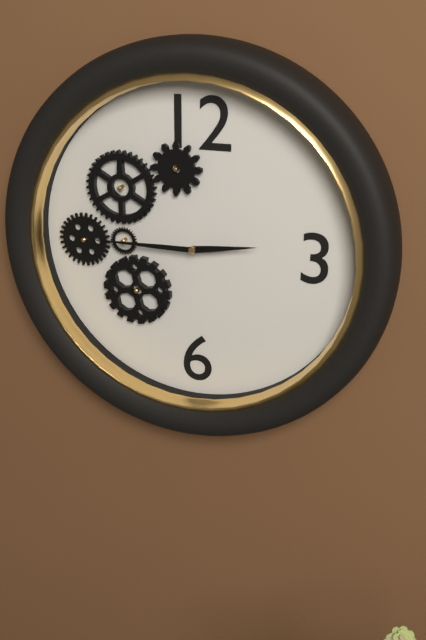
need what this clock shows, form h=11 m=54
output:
h=2 m=45
